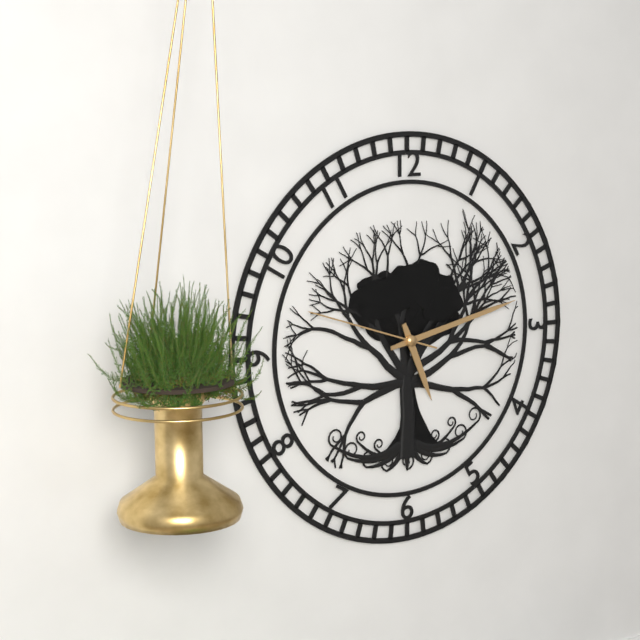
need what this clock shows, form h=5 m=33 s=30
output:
h=5 m=13 s=48
